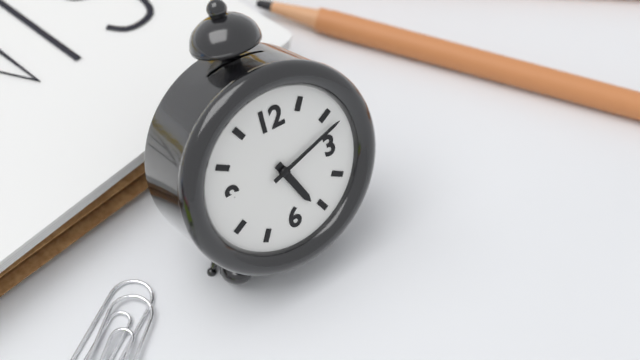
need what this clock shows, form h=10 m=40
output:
h=5 m=12
